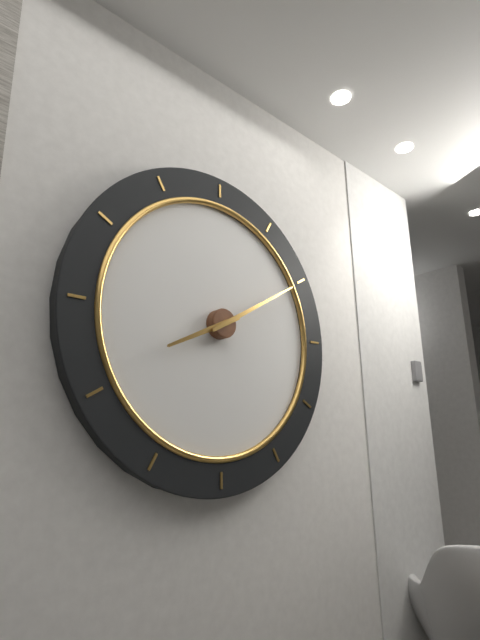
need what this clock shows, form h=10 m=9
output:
h=8 m=10
